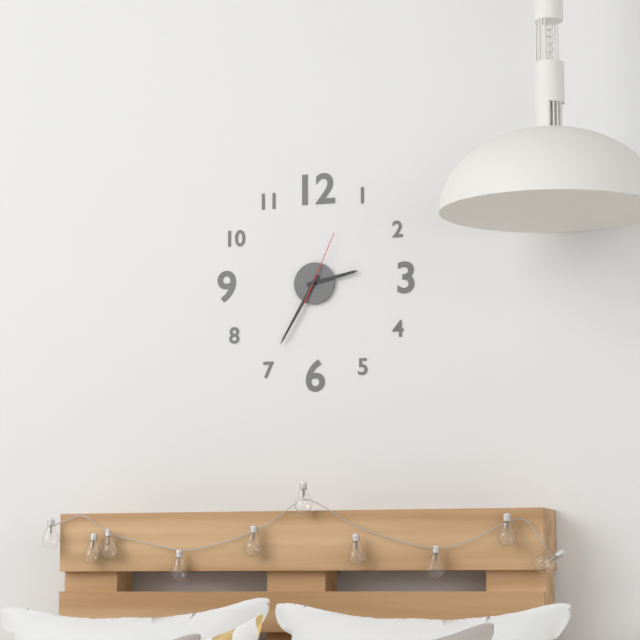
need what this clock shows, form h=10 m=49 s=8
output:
h=2 m=35 s=4
